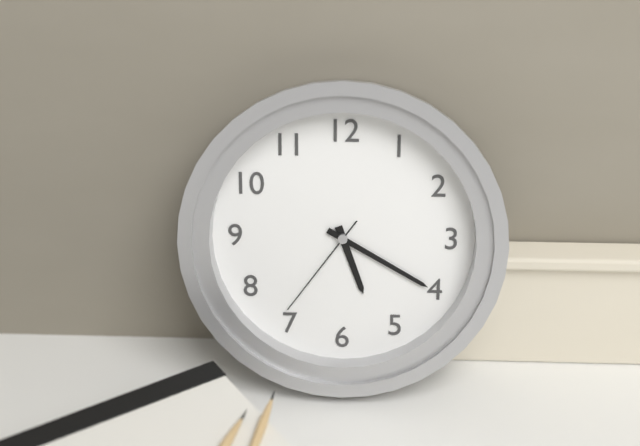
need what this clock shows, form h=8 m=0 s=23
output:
h=5 m=20 s=36
